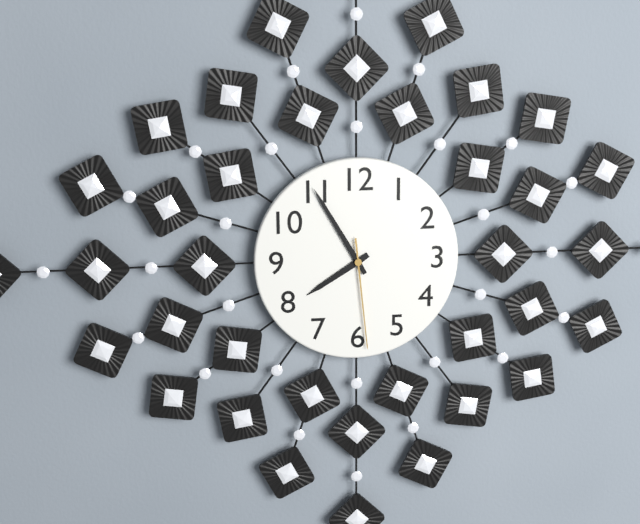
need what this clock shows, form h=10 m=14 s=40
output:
h=7 m=55 s=29
